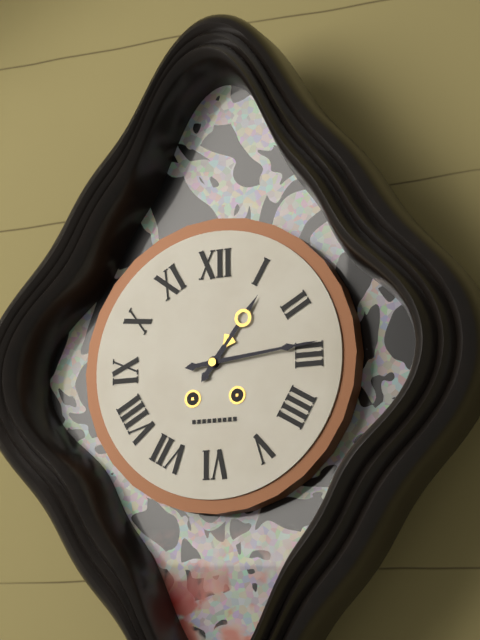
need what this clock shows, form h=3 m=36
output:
h=1 m=14
